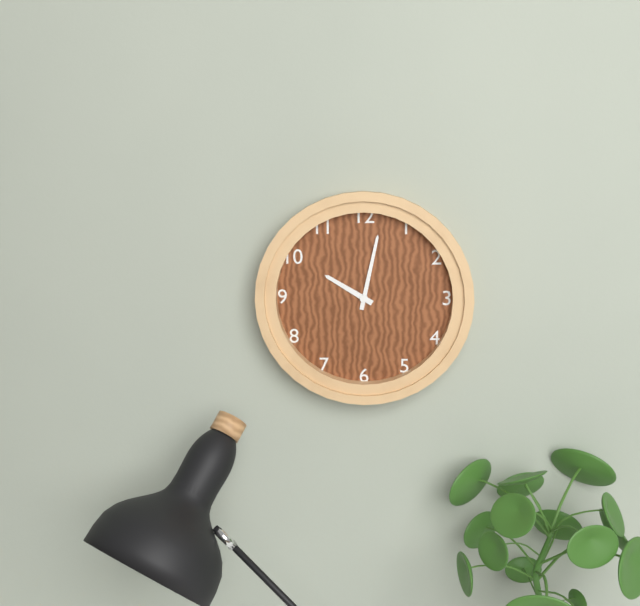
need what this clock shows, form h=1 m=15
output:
h=10 m=2
